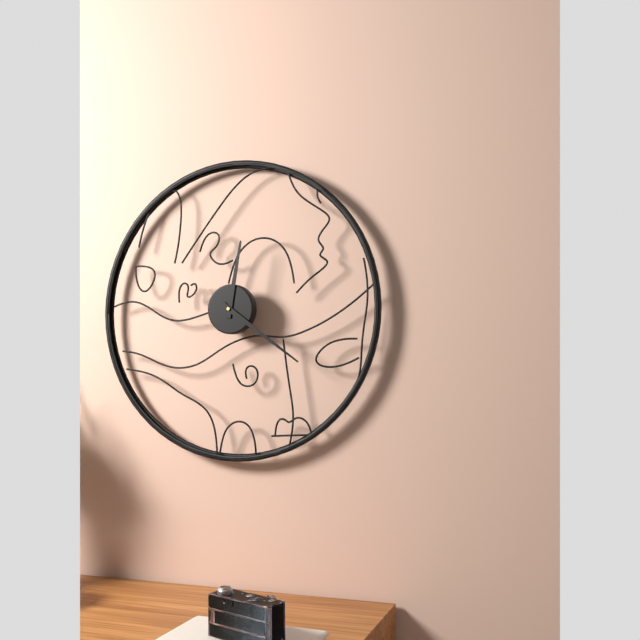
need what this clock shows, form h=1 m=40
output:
h=12 m=21
